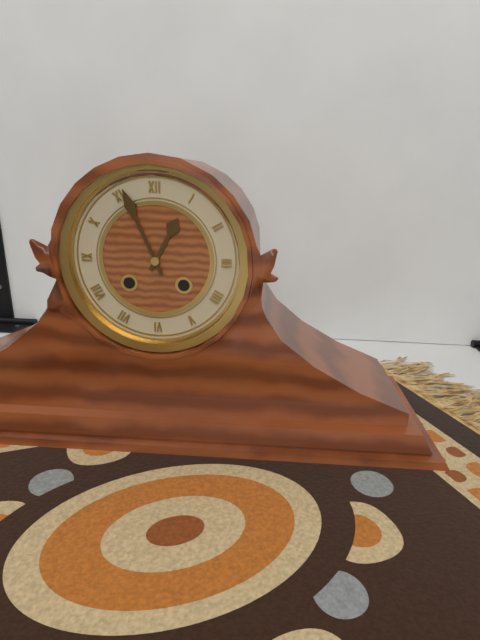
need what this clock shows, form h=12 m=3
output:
h=12 m=56
